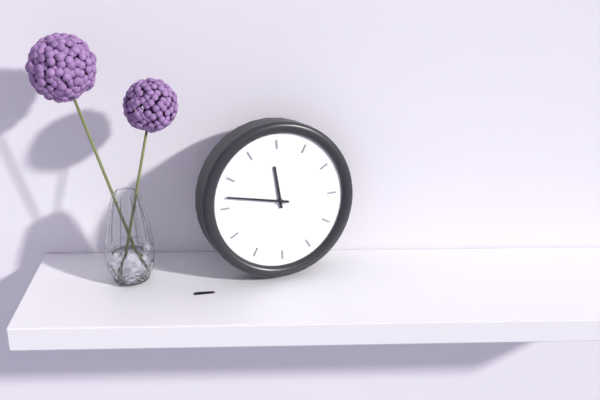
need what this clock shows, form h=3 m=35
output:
h=11 m=47
